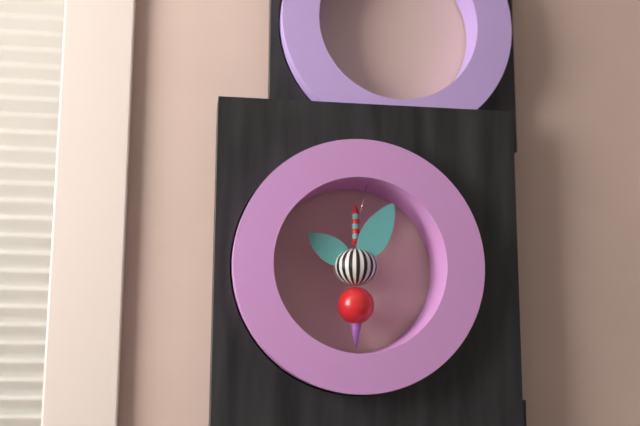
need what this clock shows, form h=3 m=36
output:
h=10 m=5
